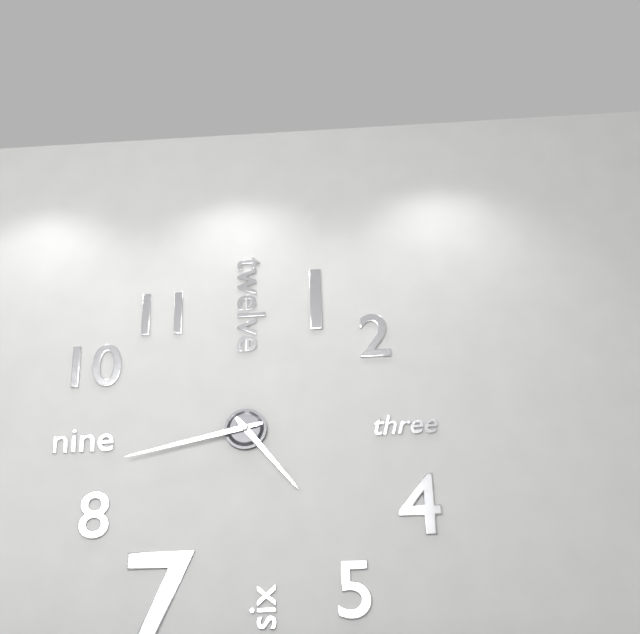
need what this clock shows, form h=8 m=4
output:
h=4 m=43
